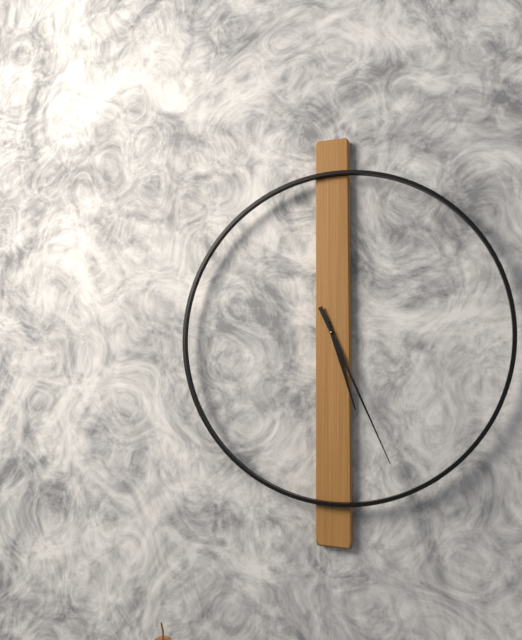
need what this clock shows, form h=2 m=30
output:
h=5 m=26
